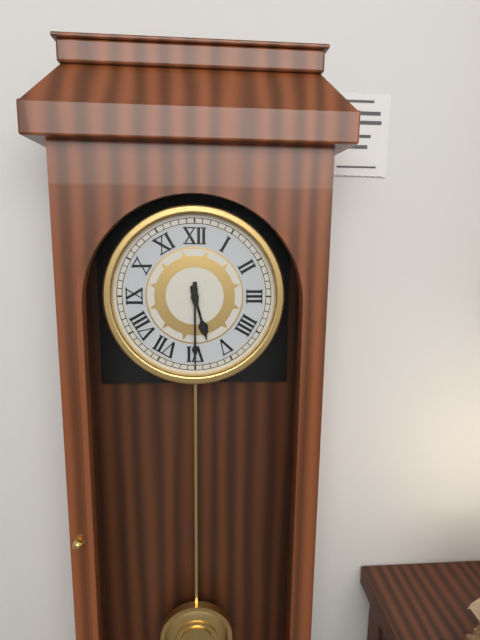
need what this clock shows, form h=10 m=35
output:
h=5 m=30
